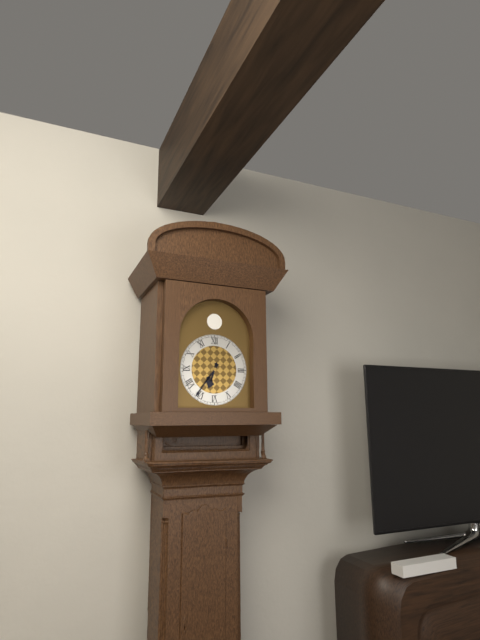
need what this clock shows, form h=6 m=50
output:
h=6 m=36
